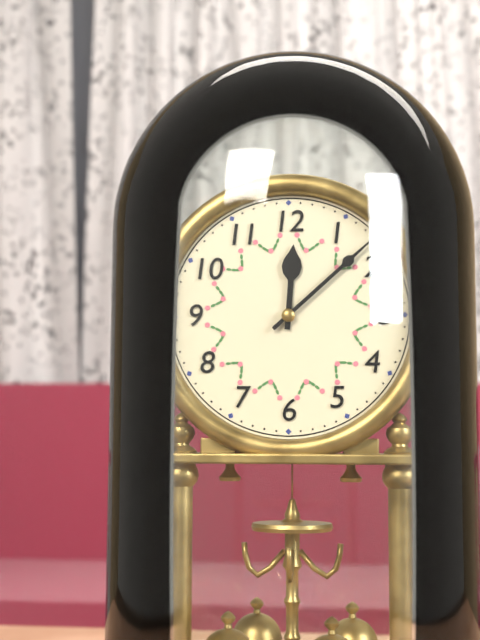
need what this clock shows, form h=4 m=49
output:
h=12 m=8
